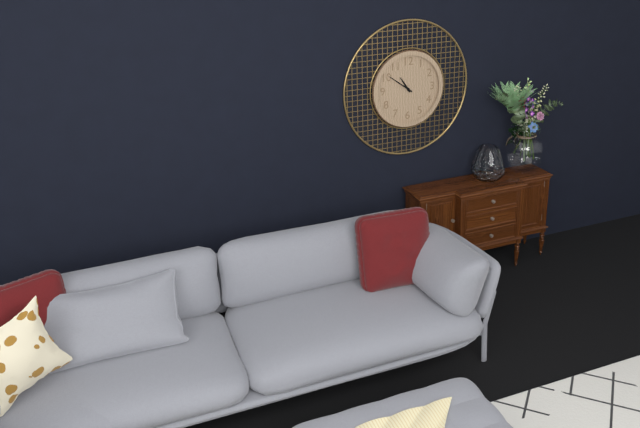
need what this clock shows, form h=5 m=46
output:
h=10 m=51
